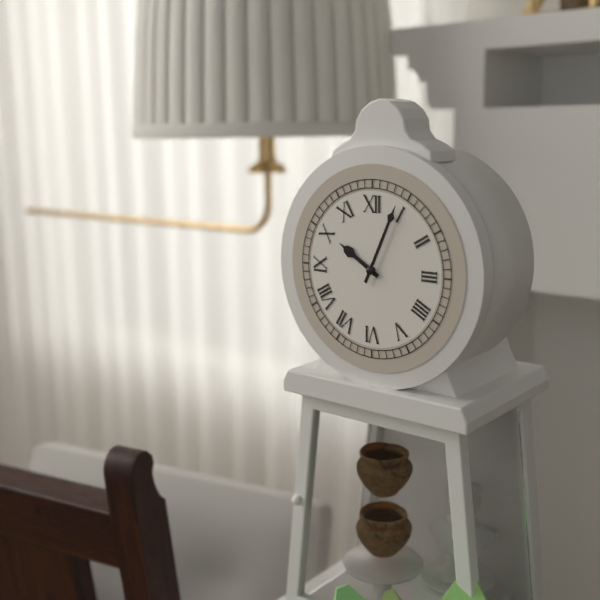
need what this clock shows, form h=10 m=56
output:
h=10 m=4
